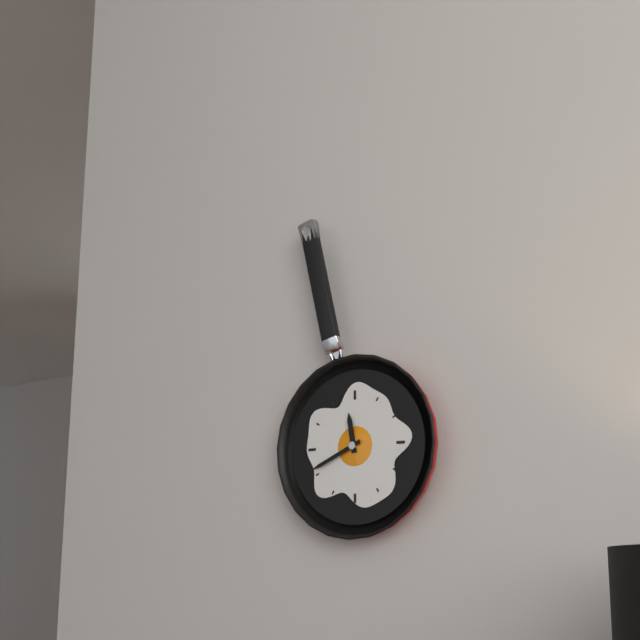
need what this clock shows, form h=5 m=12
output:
h=11 m=41
